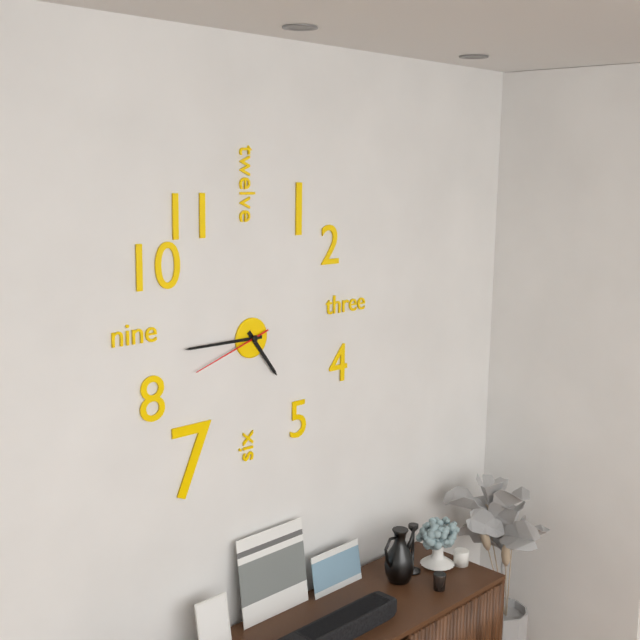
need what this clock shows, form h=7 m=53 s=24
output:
h=4 m=45 s=42
